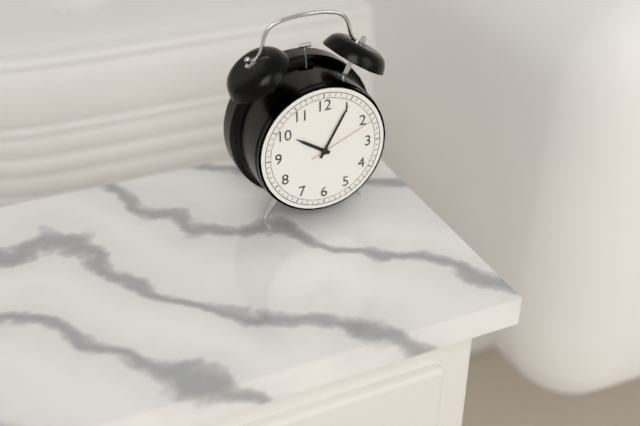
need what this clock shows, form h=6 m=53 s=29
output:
h=10 m=5 s=11
